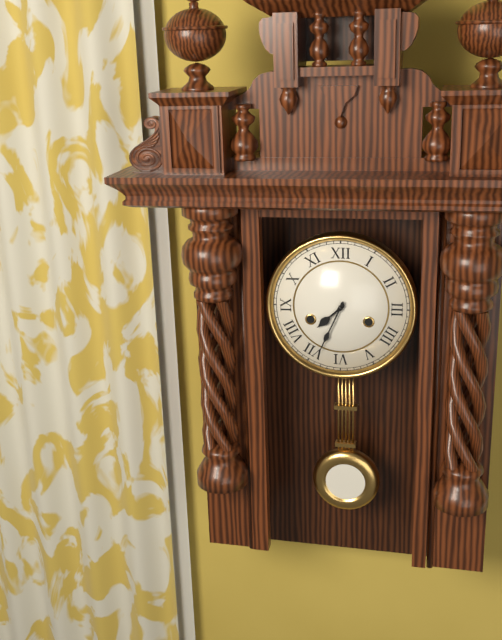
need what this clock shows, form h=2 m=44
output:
h=7 m=34
